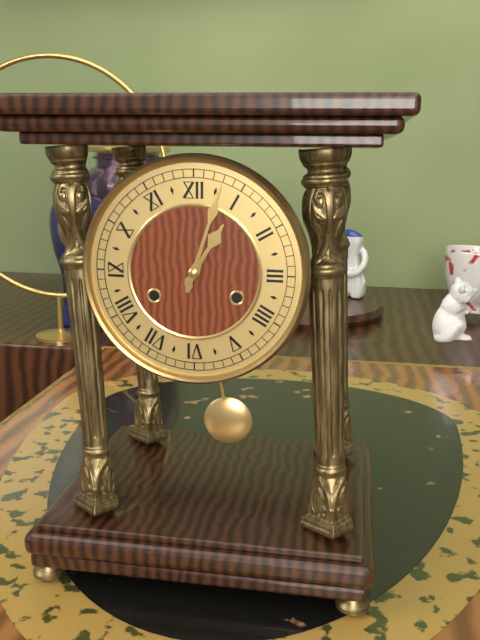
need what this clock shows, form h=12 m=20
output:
h=1 m=3
